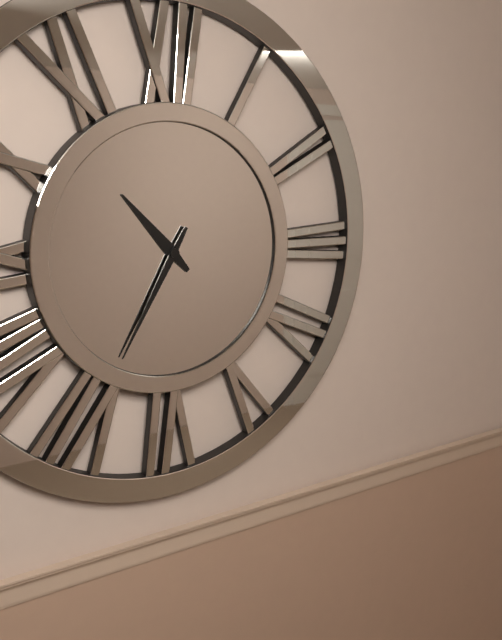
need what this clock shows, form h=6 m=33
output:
h=10 m=35
